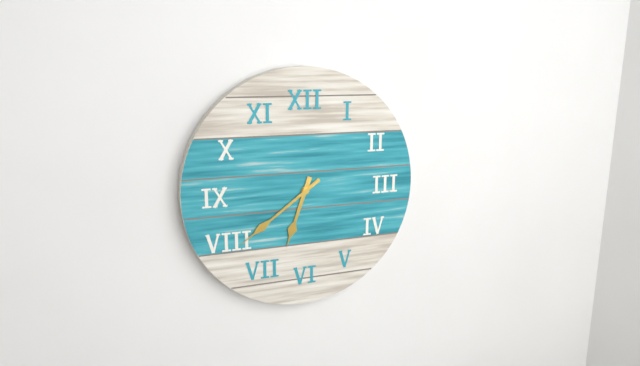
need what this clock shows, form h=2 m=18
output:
h=6 m=39
